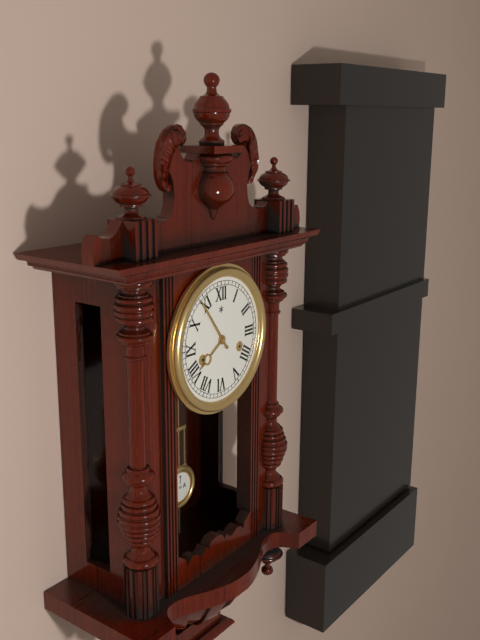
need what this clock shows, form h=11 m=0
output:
h=7 m=54
